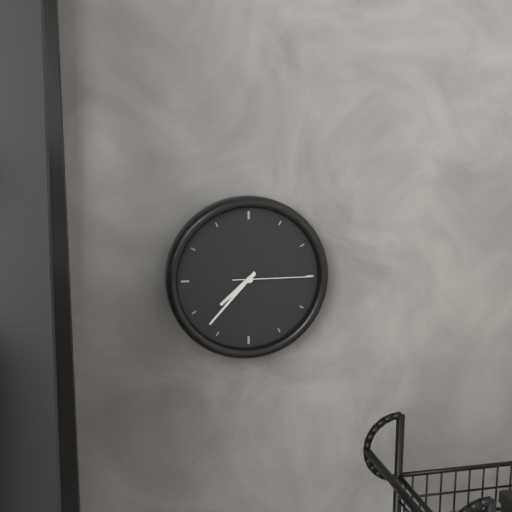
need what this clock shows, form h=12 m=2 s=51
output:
h=7 m=37 s=15
